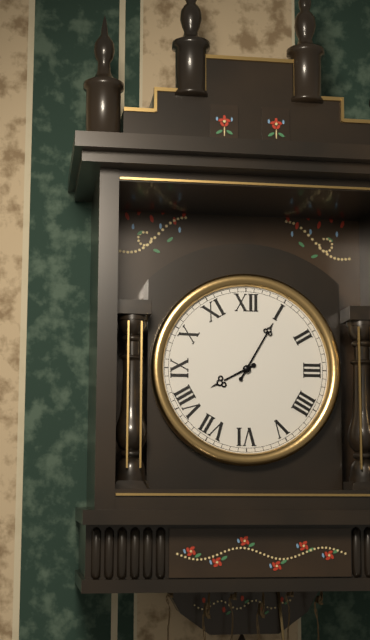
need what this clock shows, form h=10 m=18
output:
h=8 m=5
